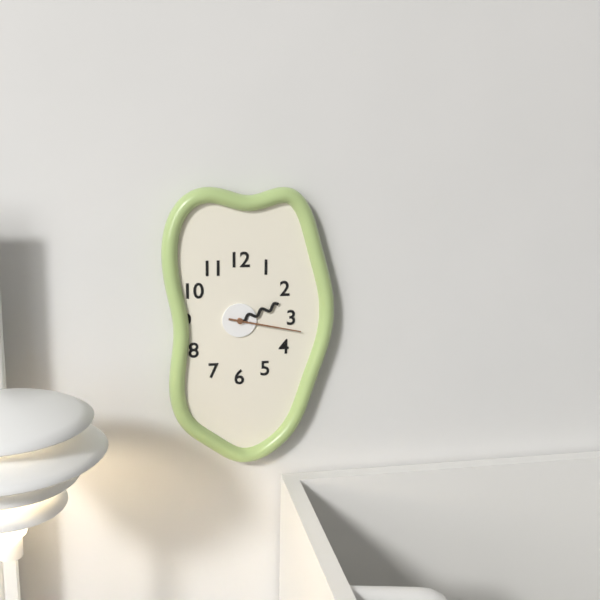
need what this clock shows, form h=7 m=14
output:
h=2 m=17
